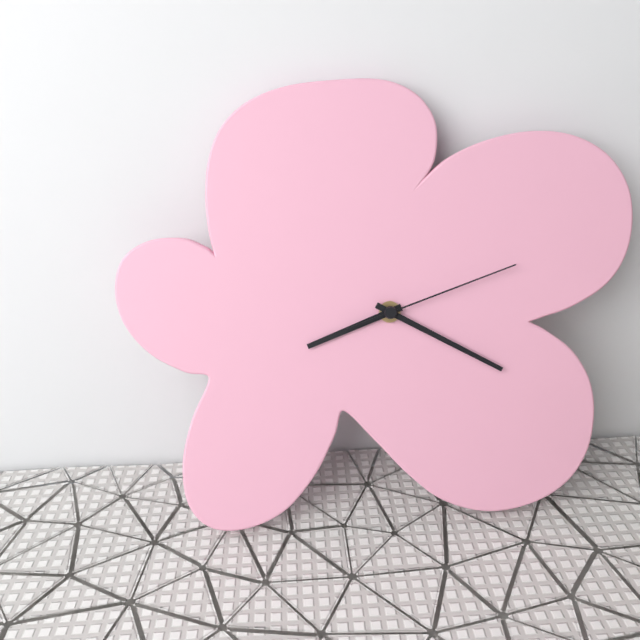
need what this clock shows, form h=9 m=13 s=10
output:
h=8 m=20 s=12
